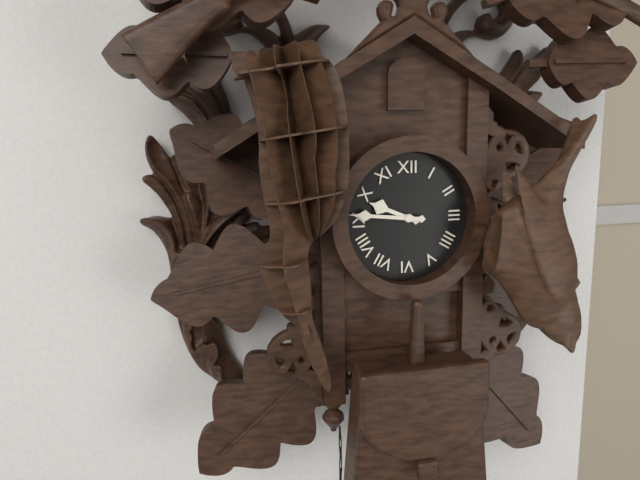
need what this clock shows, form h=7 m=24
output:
h=9 m=46
